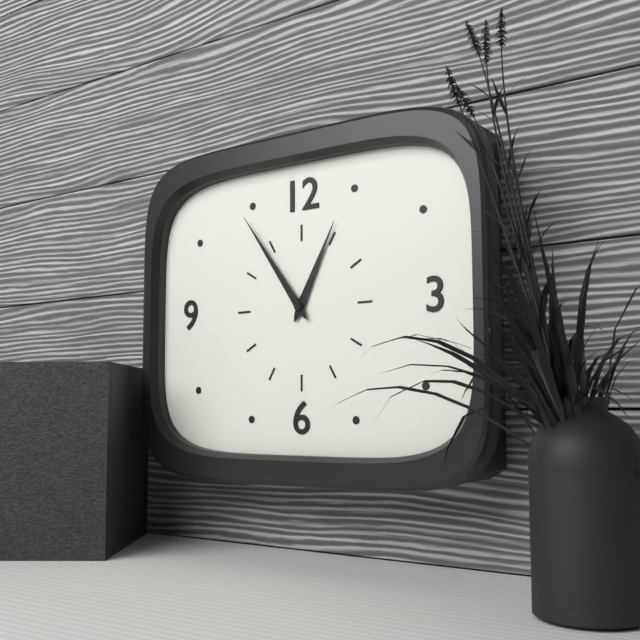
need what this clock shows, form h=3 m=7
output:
h=12 m=54
